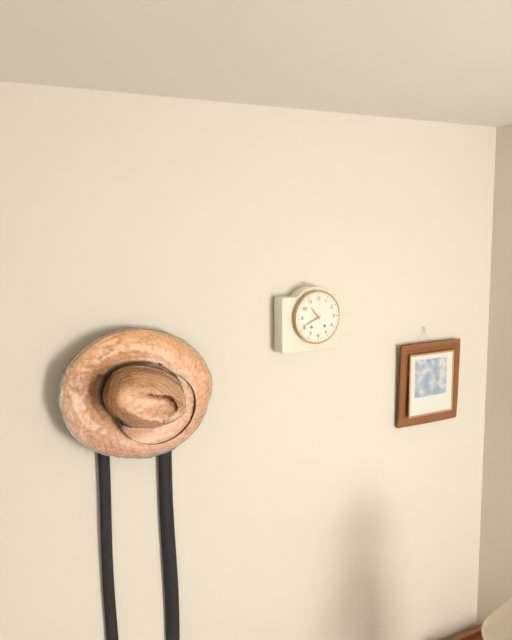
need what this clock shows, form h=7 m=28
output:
h=10 m=41
